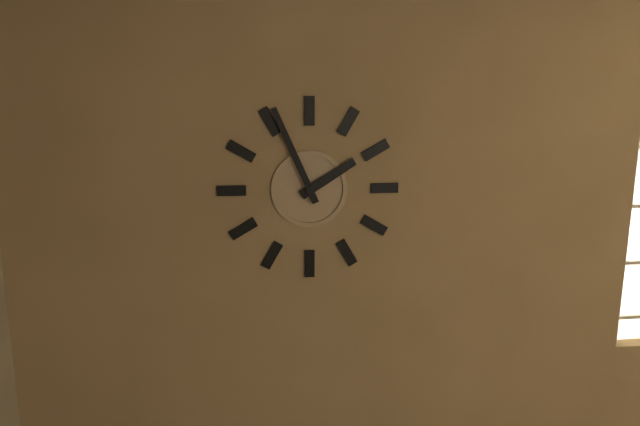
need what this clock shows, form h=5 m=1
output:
h=1 m=56
